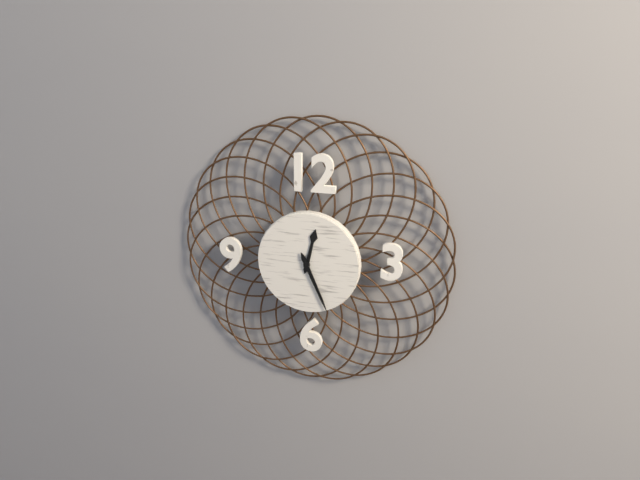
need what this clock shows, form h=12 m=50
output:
h=12 m=26
